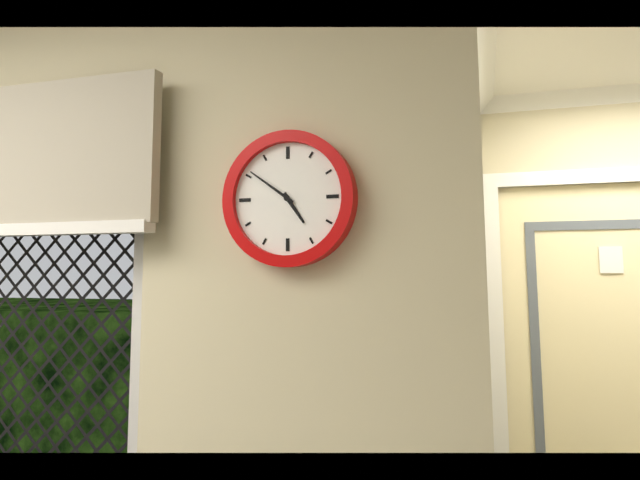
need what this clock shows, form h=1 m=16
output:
h=4 m=51
